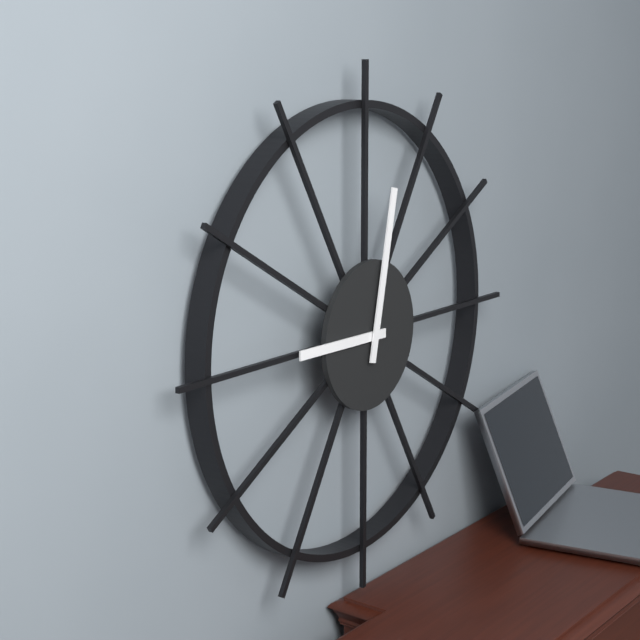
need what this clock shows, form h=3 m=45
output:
h=9 m=2
